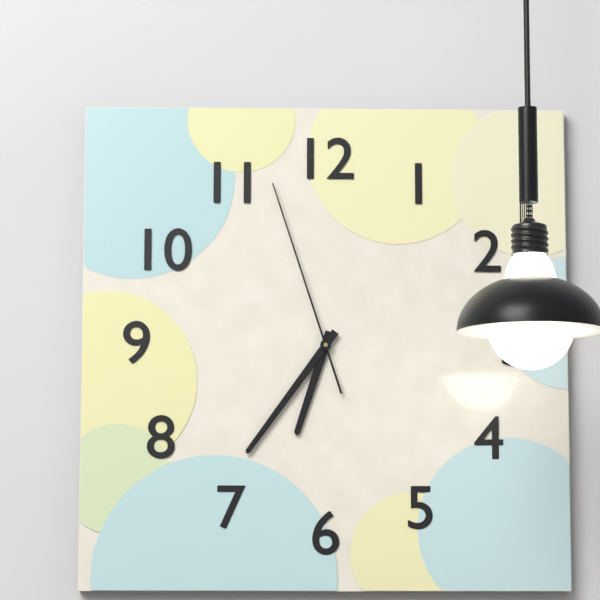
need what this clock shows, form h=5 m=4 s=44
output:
h=6 m=36 s=57
